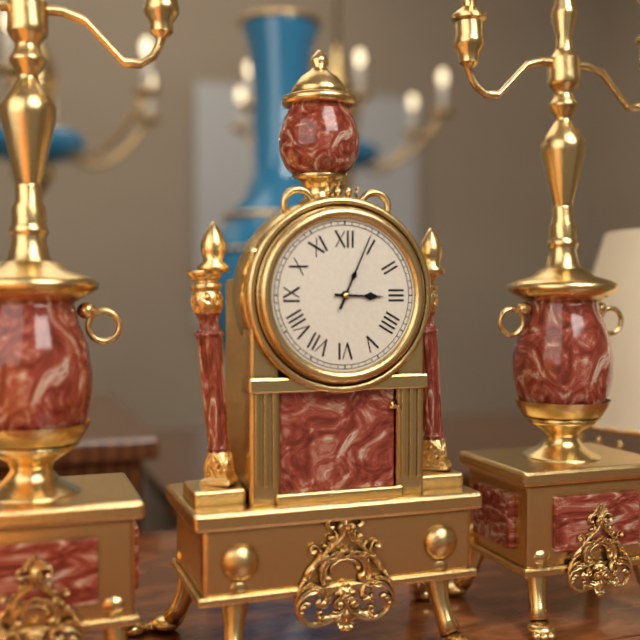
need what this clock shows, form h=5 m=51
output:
h=3 m=4
